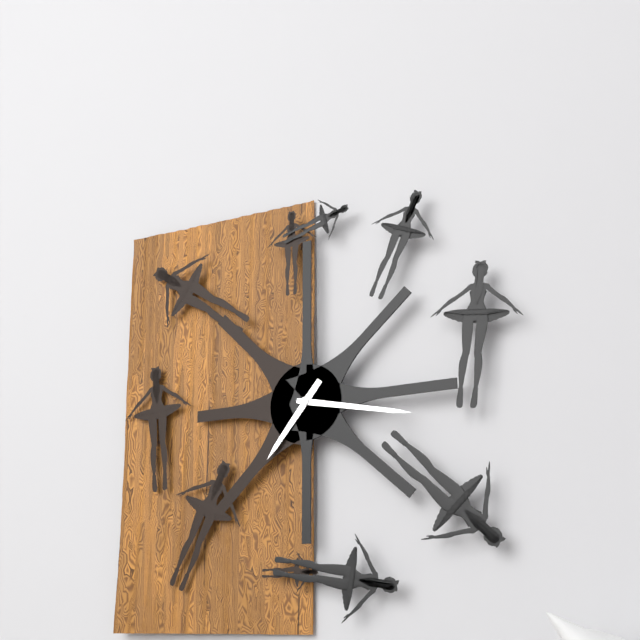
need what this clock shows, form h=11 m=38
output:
h=7 m=17
